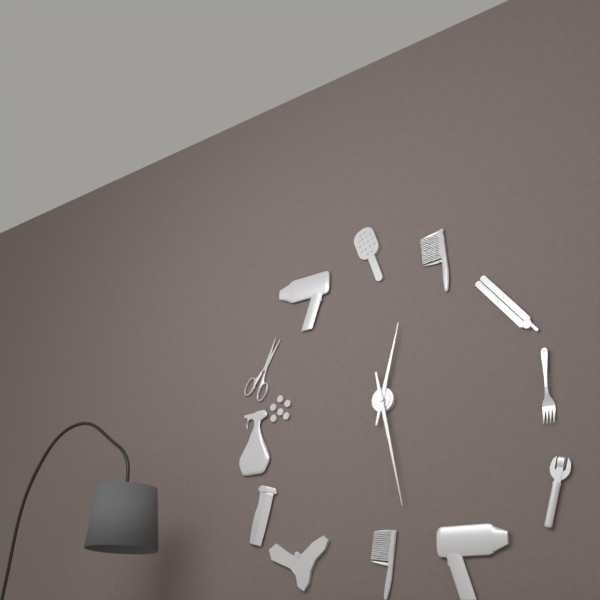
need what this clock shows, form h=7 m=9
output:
h=12 m=28
